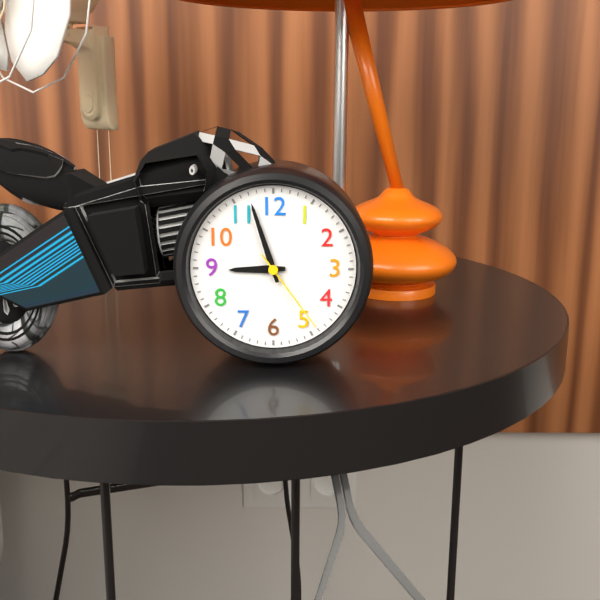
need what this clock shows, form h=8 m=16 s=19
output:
h=8 m=57 s=24
